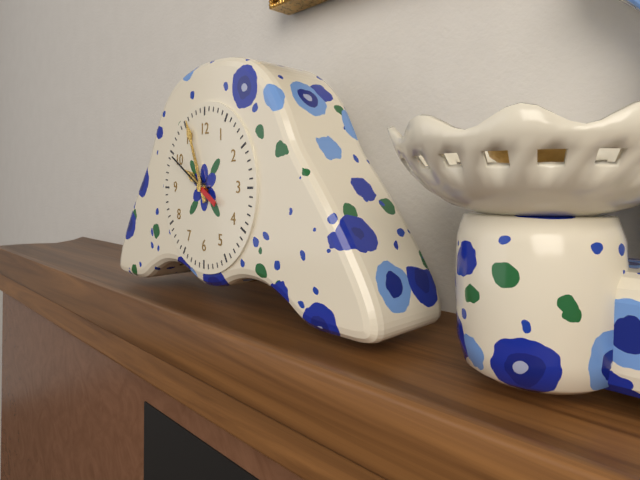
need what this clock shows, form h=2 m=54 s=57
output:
h=9 m=56 s=50
